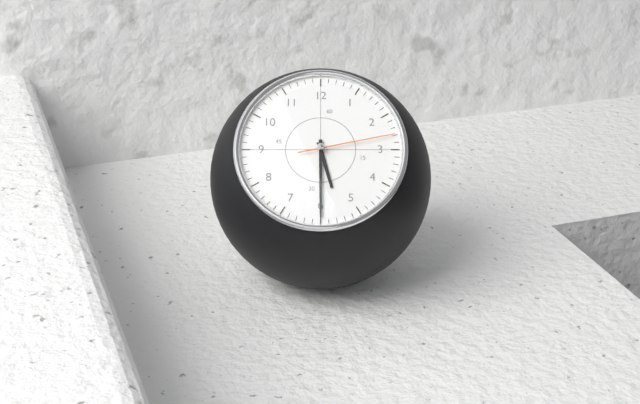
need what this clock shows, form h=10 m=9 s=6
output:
h=5 m=30 s=13
